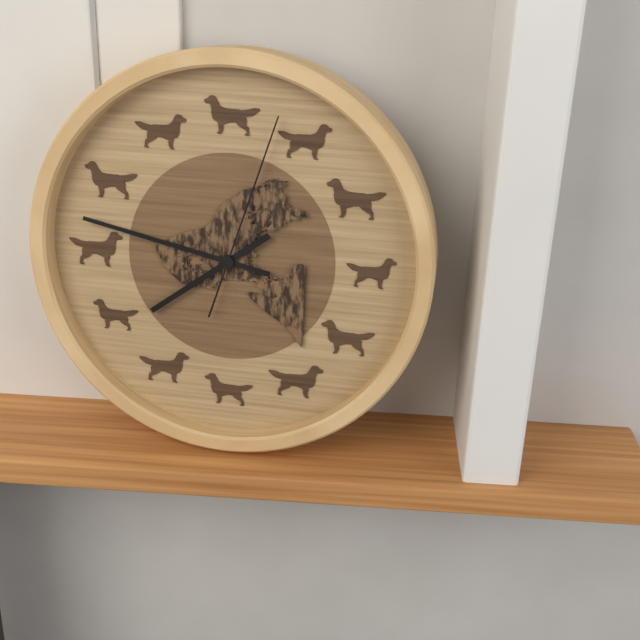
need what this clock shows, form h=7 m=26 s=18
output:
h=7 m=47 s=3
